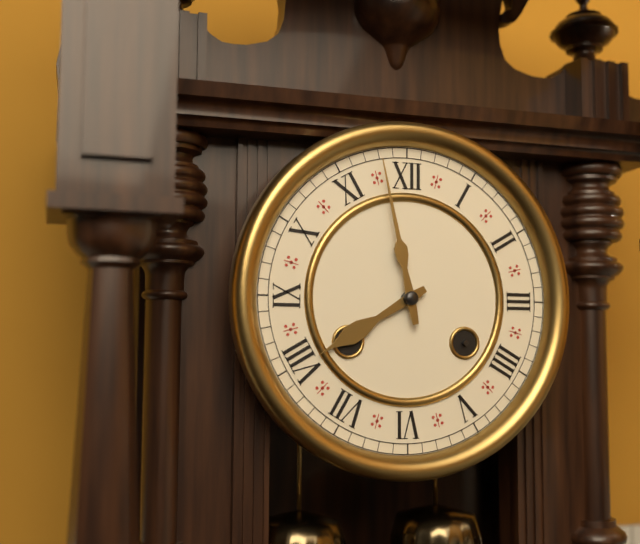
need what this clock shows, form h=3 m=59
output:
h=7 m=58
